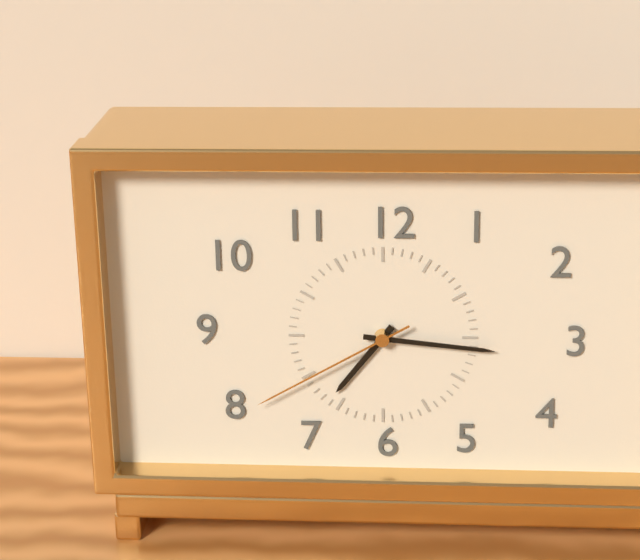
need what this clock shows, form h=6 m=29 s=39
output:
h=7 m=16 s=40
